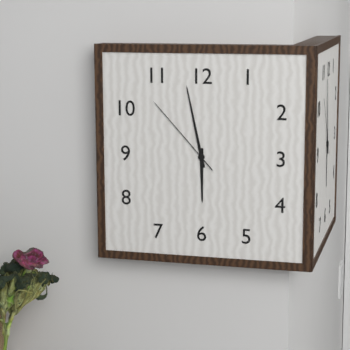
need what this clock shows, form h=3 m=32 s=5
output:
h=5 m=58 s=53
